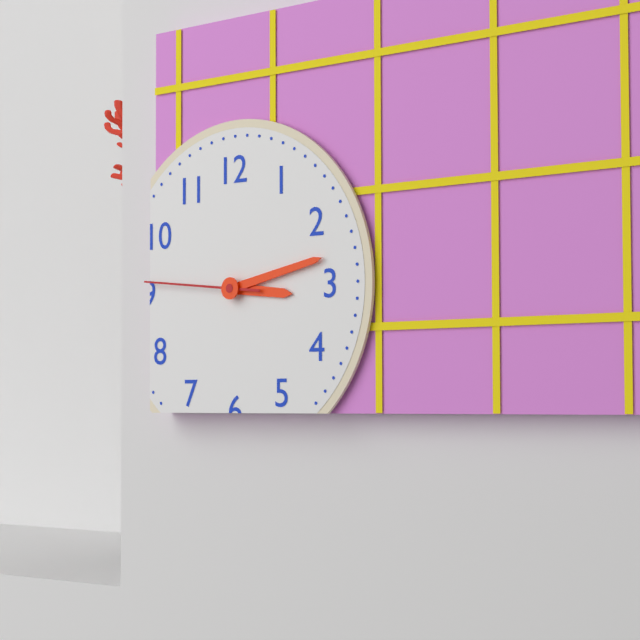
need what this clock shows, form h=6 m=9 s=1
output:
h=3 m=13 s=46
